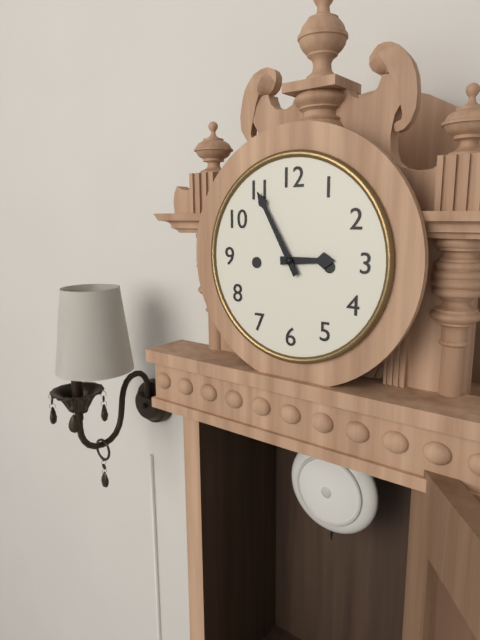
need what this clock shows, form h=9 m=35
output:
h=2 m=55
